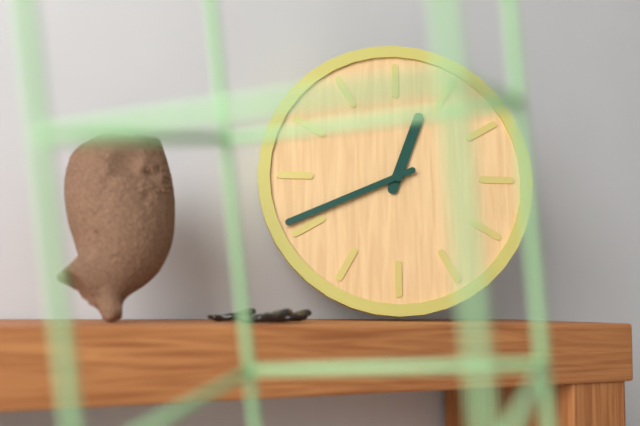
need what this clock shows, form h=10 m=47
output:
h=12 m=41
